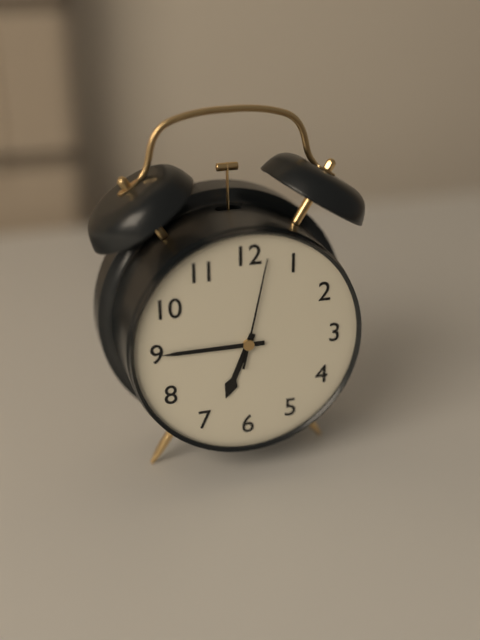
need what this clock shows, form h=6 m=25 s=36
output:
h=6 m=45 s=2
